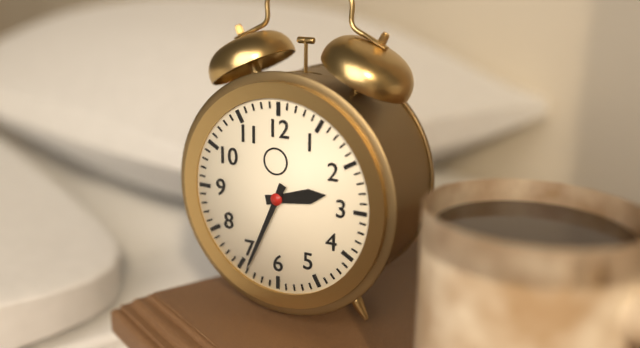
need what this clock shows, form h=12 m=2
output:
h=2 m=34
